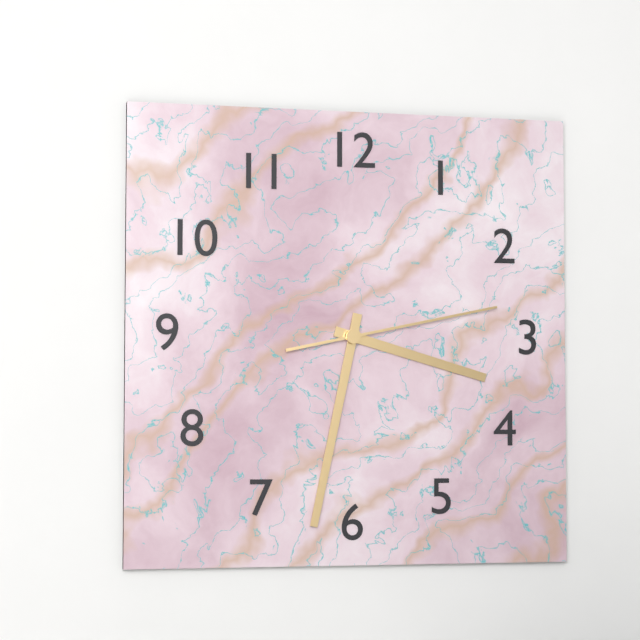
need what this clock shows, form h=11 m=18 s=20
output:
h=3 m=32 s=13
